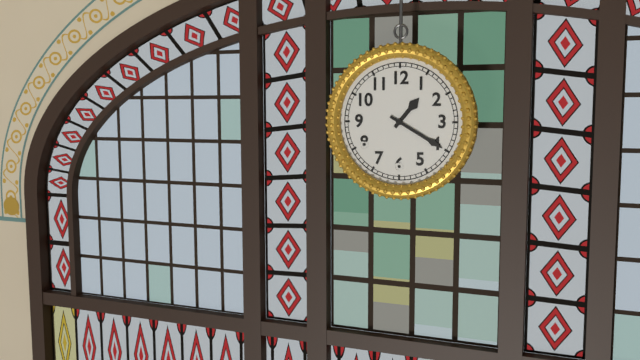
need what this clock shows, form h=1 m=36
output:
h=1 m=20
